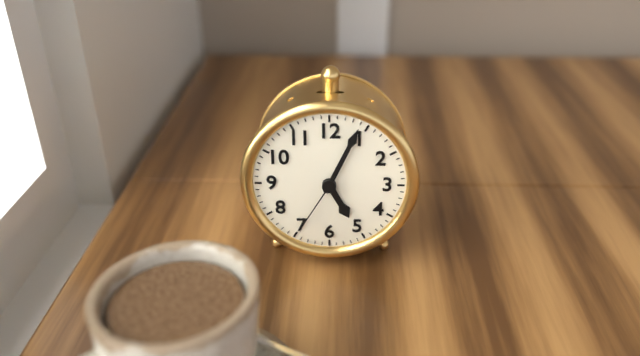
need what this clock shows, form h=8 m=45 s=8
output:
h=5 m=4 s=35
